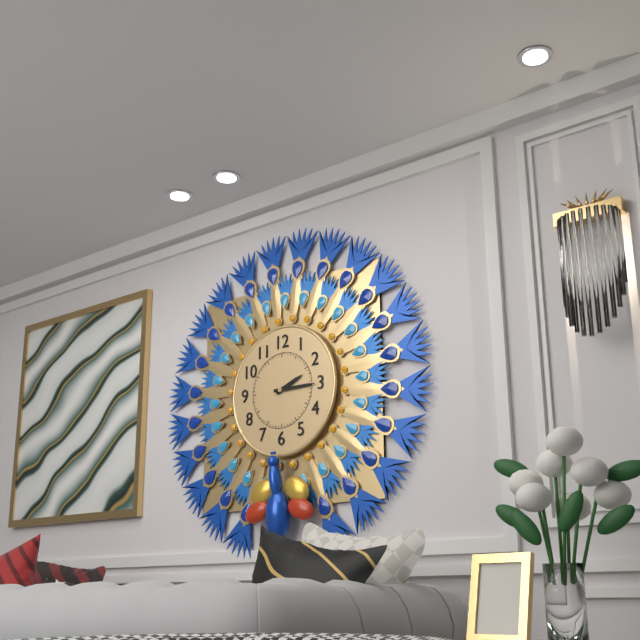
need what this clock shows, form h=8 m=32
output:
h=2 m=15
